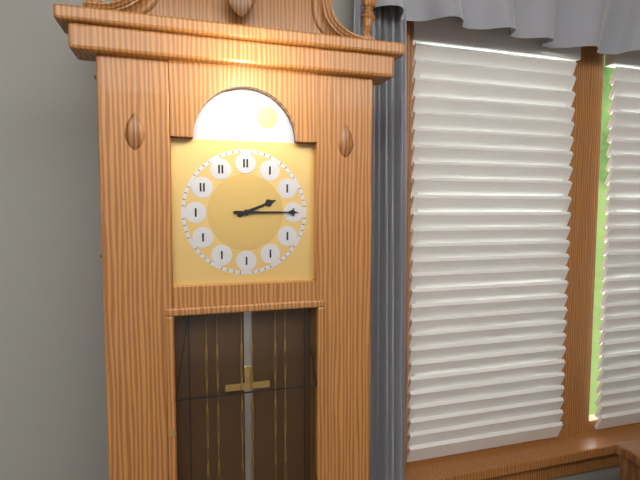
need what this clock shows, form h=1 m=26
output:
h=2 m=15
